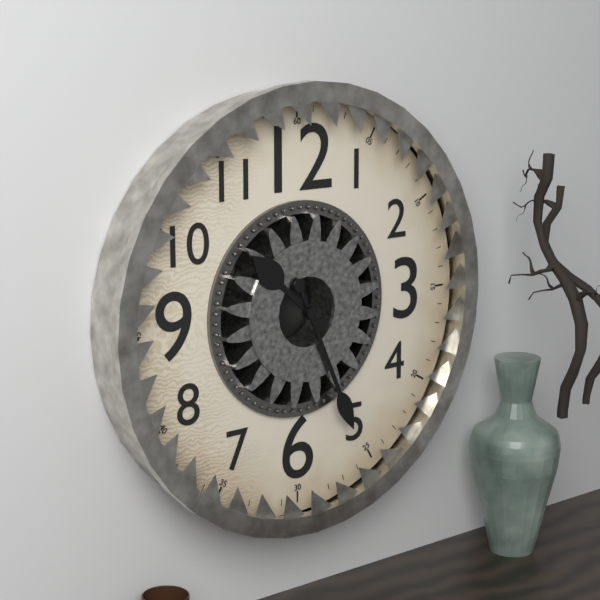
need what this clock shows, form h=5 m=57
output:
h=10 m=26
